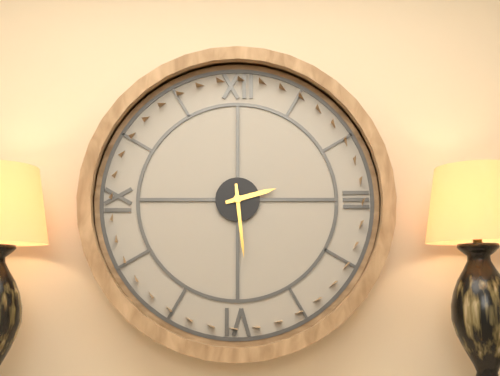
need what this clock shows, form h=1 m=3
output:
h=2 m=29
